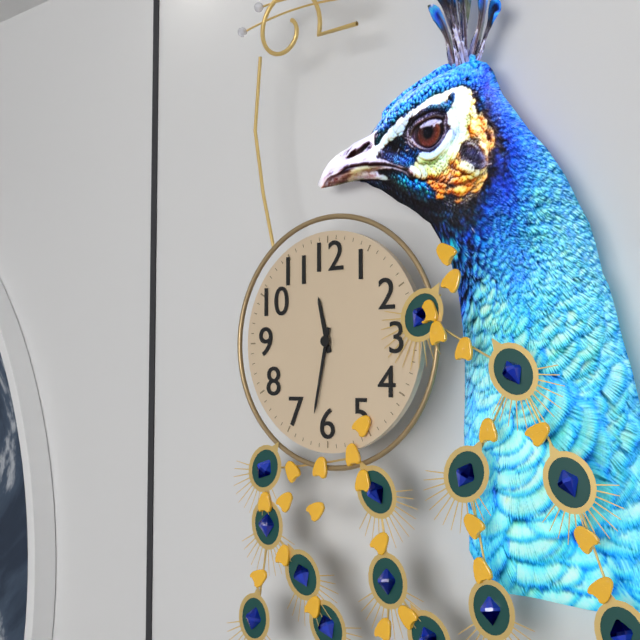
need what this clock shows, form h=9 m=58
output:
h=11 m=32
